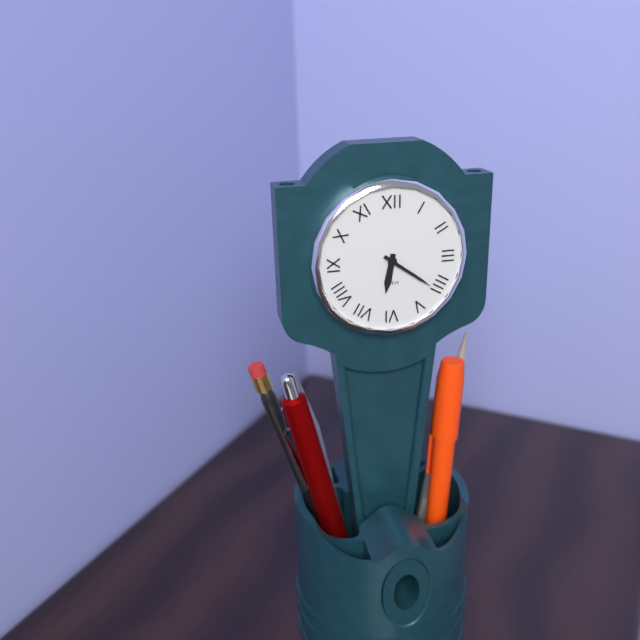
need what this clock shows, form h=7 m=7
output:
h=6 m=21
